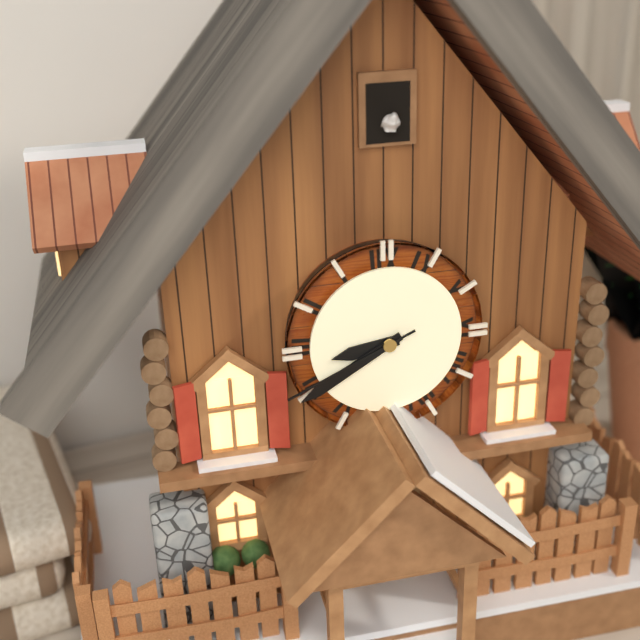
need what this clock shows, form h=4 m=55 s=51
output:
h=8 m=40 s=41
